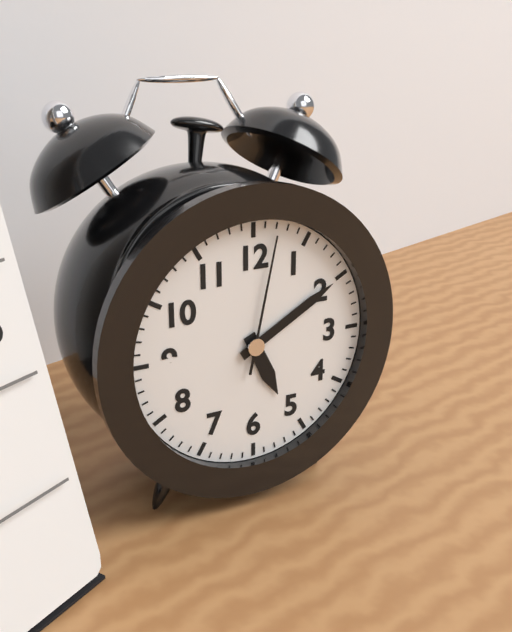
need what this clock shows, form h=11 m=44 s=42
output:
h=5 m=10 s=2
